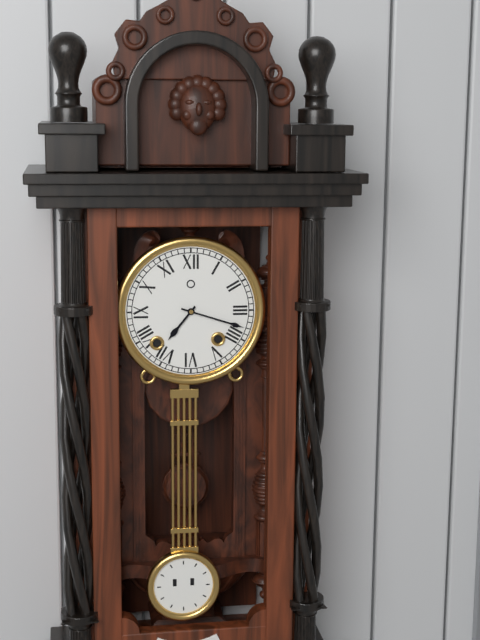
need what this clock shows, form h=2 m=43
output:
h=7 m=18
